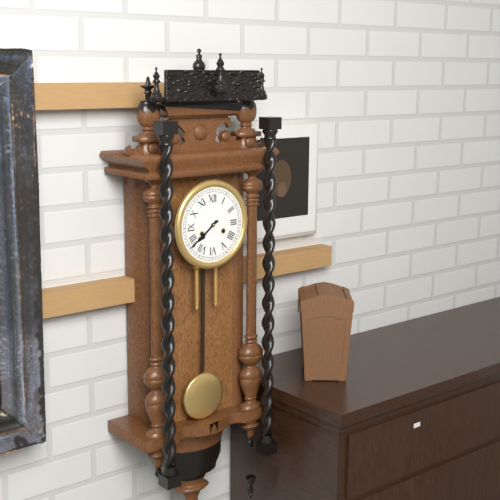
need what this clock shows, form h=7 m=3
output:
h=7 m=39
